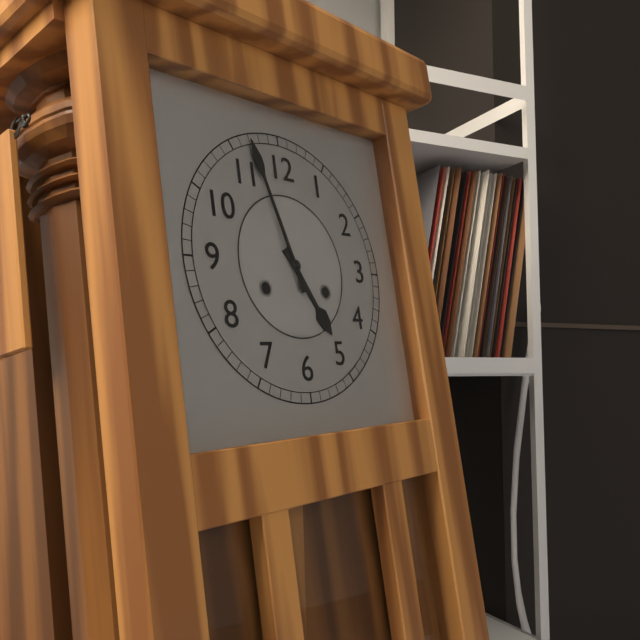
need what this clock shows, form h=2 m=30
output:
h=4 m=57
